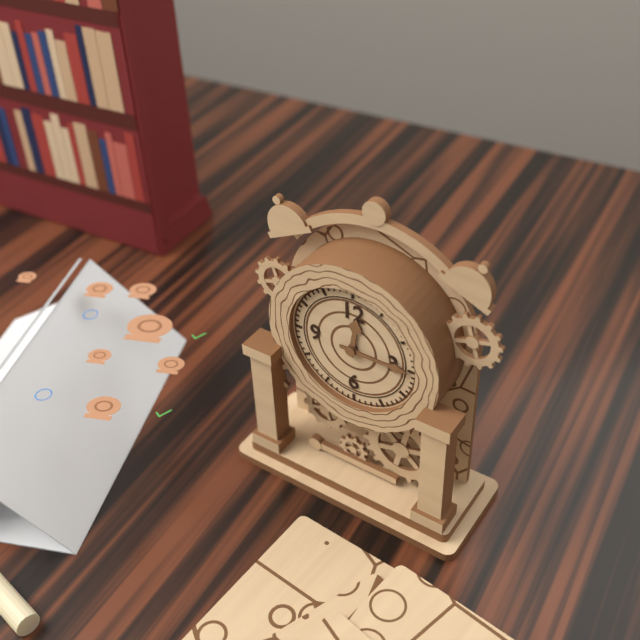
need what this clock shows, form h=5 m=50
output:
h=12 m=15
